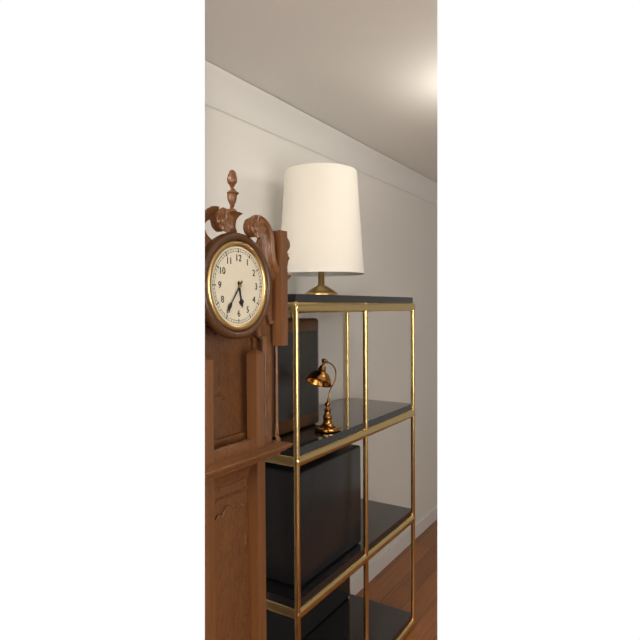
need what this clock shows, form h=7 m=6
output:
h=5 m=36
